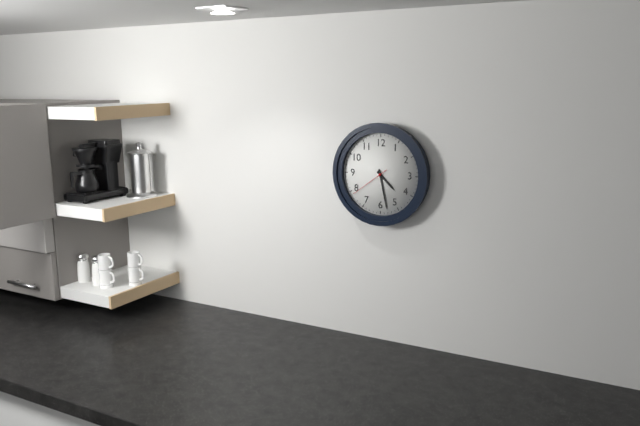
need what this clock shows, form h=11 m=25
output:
h=4 m=28
